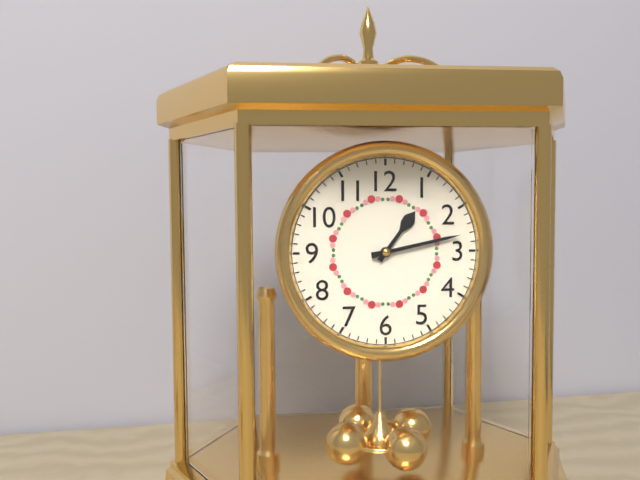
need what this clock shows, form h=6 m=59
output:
h=1 m=13
